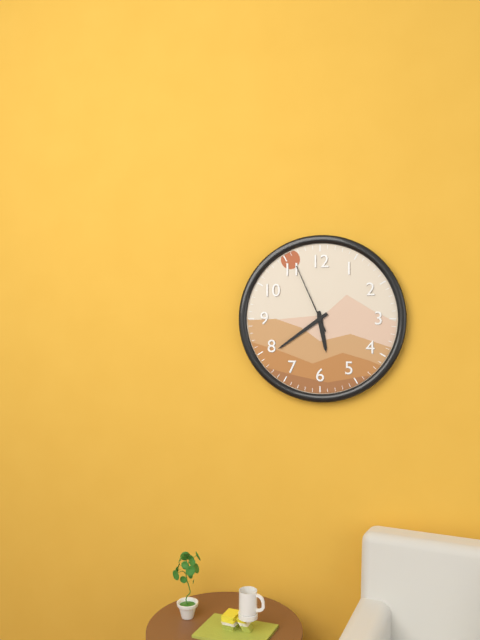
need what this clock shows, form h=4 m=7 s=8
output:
h=5 m=39 s=56
